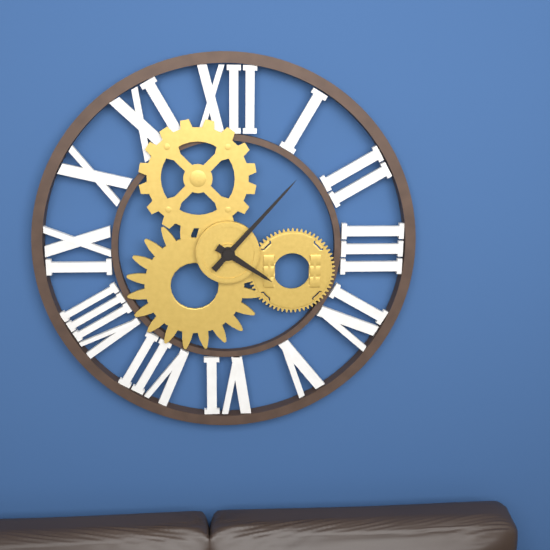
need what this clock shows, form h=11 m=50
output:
h=4 m=7
